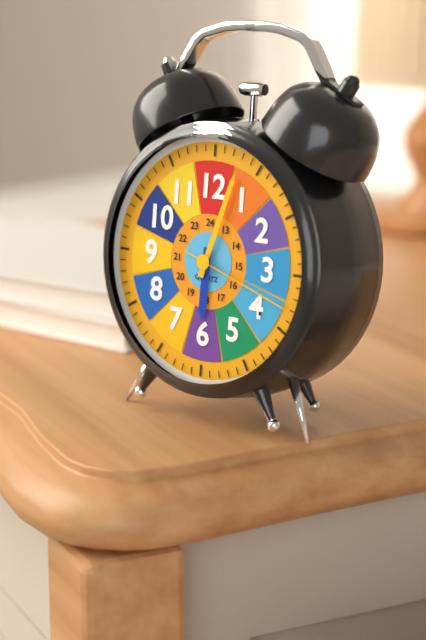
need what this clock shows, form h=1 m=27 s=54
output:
h=6 m=3 s=18
